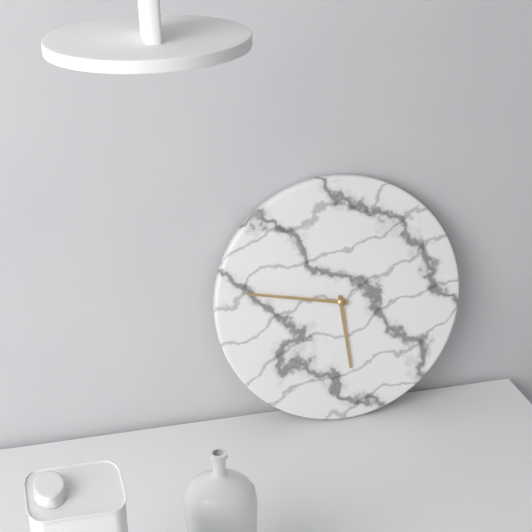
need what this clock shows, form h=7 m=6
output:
h=5 m=47
